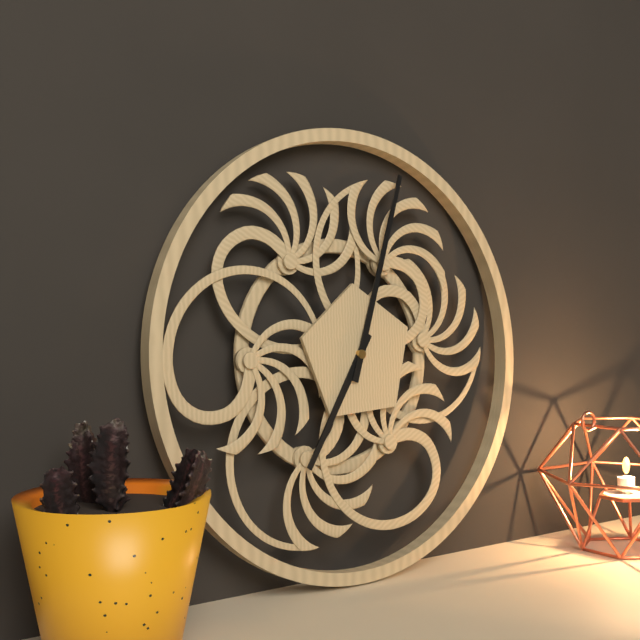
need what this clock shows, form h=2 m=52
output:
h=7 m=3
